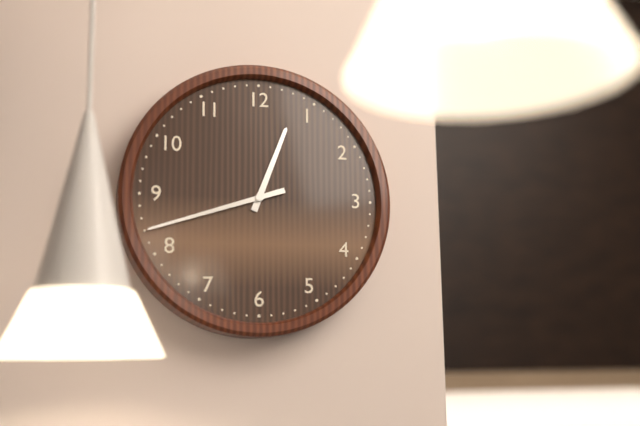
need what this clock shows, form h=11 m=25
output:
h=12 m=42
